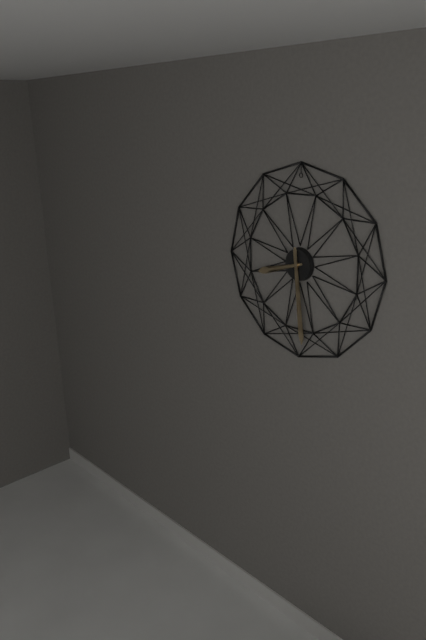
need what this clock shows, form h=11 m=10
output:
h=8 m=29
